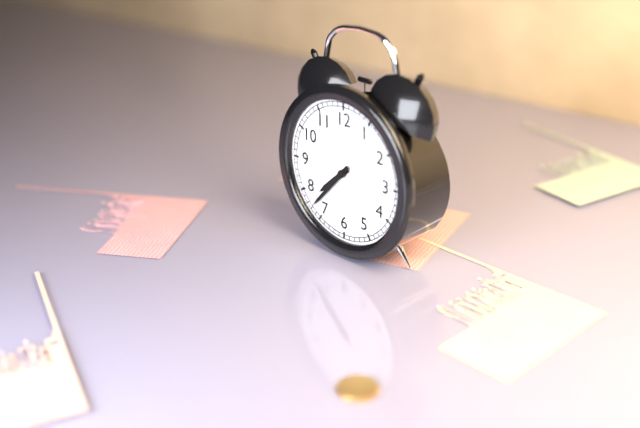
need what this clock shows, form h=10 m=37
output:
h=7 m=37
